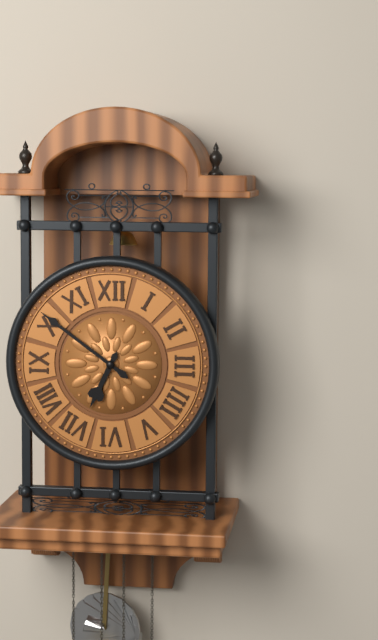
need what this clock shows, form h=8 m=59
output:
h=6 m=51
